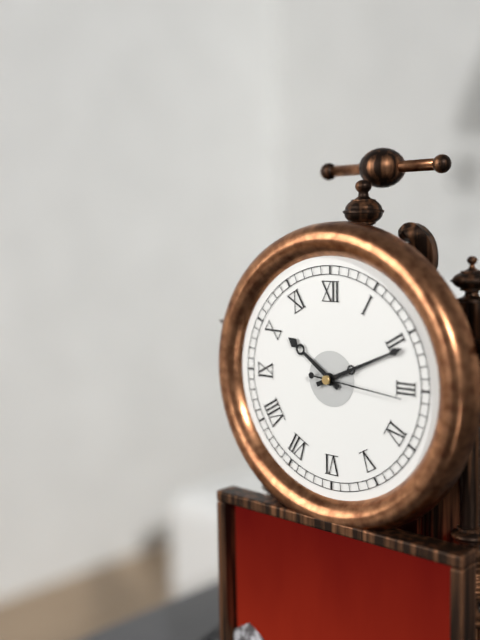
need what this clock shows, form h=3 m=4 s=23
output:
h=10 m=11 s=16
